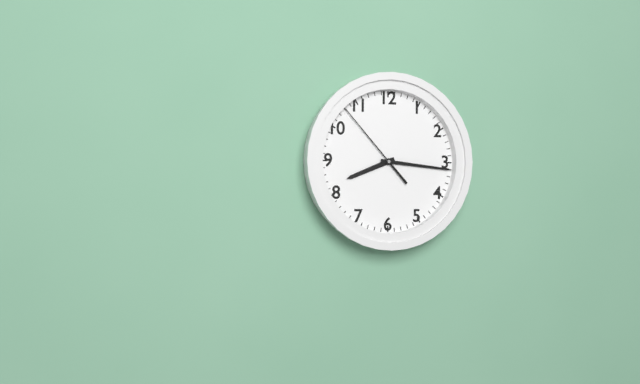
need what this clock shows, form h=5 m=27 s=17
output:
h=8 m=16 s=53
